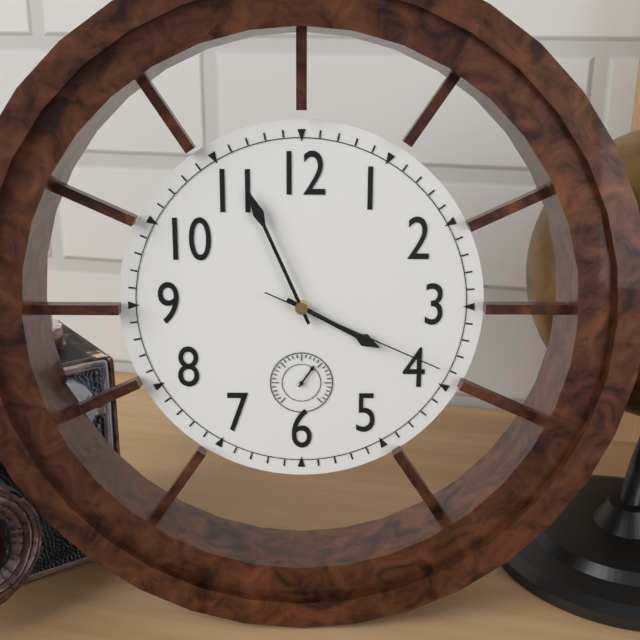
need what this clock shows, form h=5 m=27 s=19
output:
h=3 m=56 s=19
